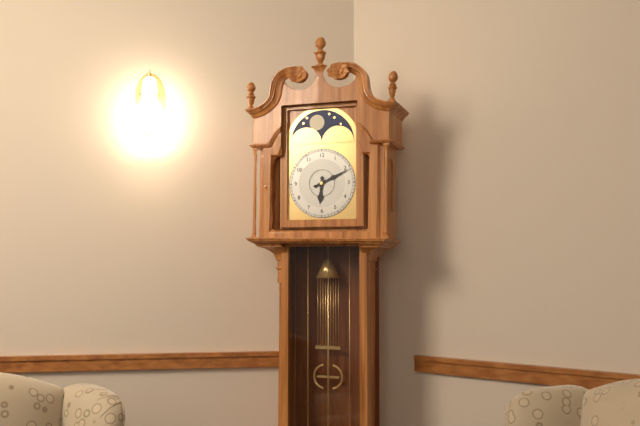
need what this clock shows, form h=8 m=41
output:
h=6 m=11
